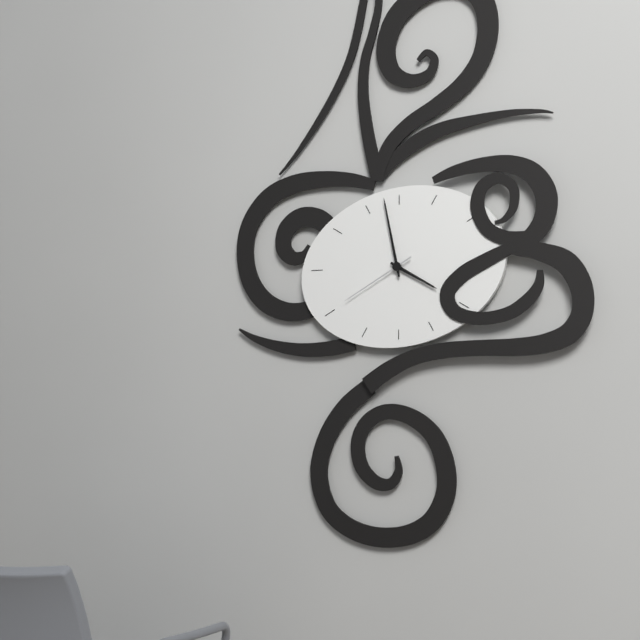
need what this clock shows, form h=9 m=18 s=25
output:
h=3 m=58 s=40
